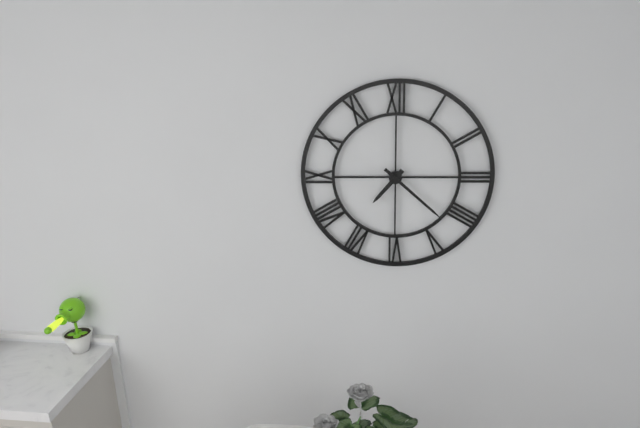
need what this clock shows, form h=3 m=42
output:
h=7 m=22
